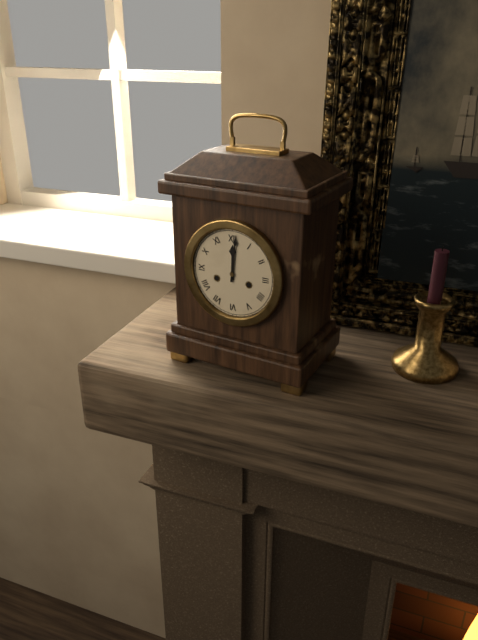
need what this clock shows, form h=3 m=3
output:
h=12 m=1
